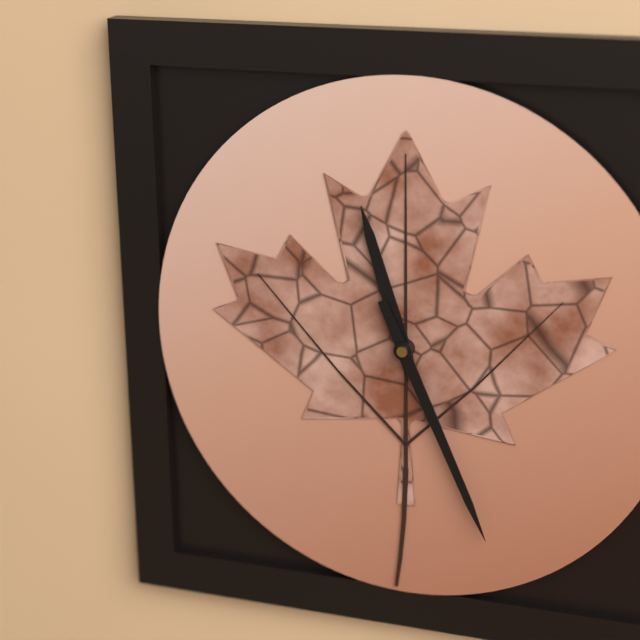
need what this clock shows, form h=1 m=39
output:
h=11 m=26
